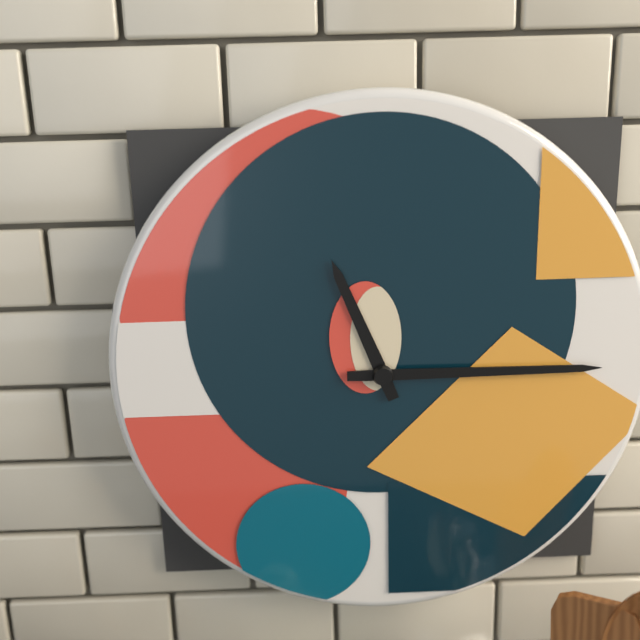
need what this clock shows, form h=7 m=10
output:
h=11 m=15
